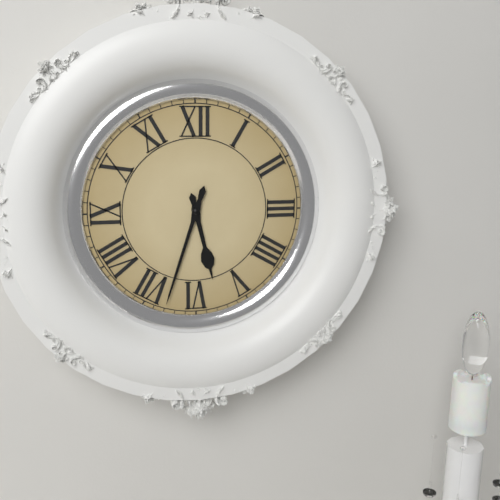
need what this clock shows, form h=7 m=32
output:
h=5 m=33
